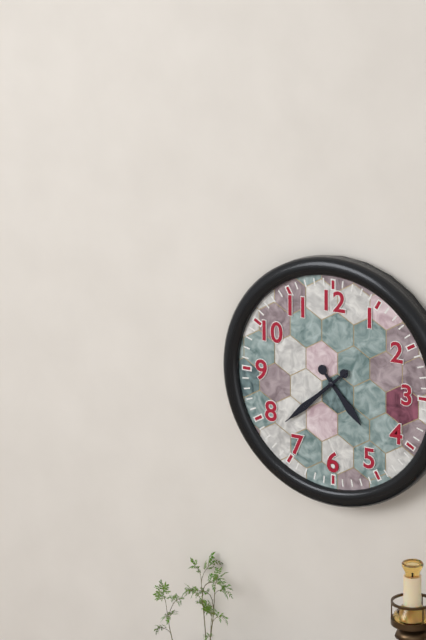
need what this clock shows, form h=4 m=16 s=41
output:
h=4 m=38 s=38
